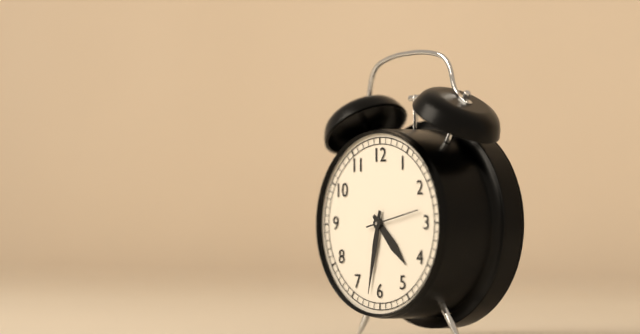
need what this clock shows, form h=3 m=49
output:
h=4 m=32
